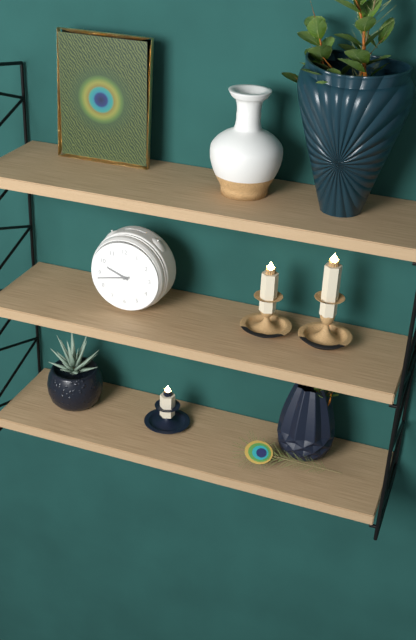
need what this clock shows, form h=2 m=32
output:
h=9 m=43
